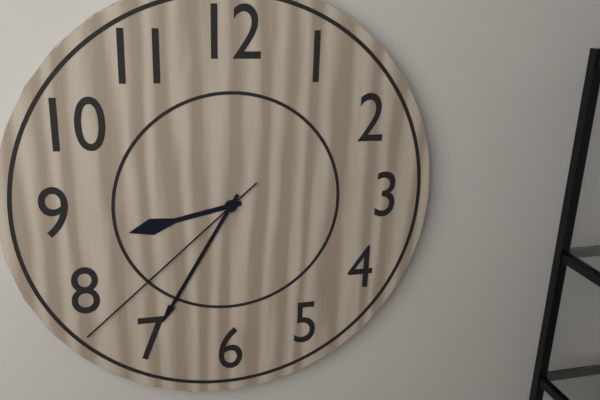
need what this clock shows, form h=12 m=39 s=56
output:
h=8 m=35 s=38
